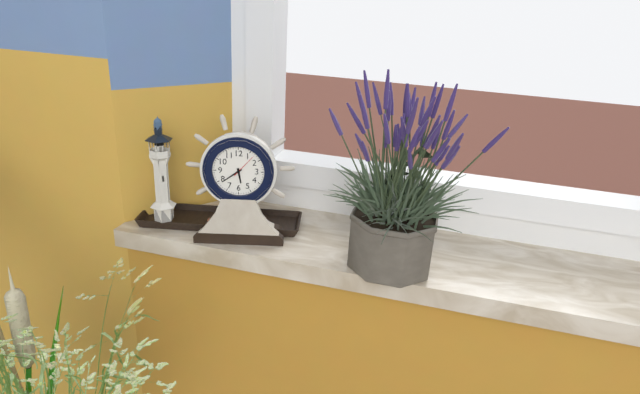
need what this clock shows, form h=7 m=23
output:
h=5 m=39
